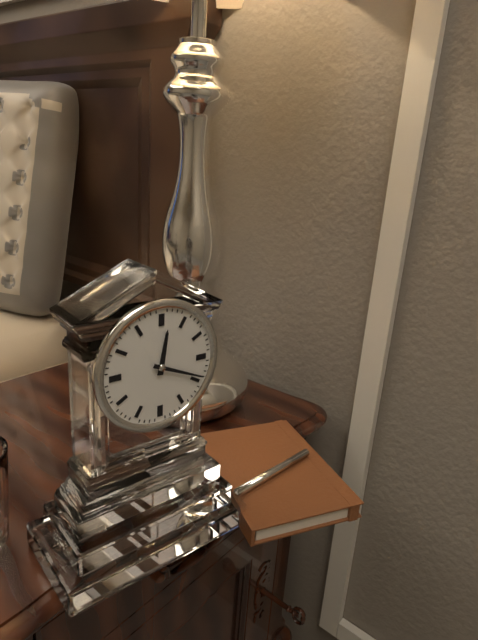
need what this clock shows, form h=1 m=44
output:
h=12 m=19
